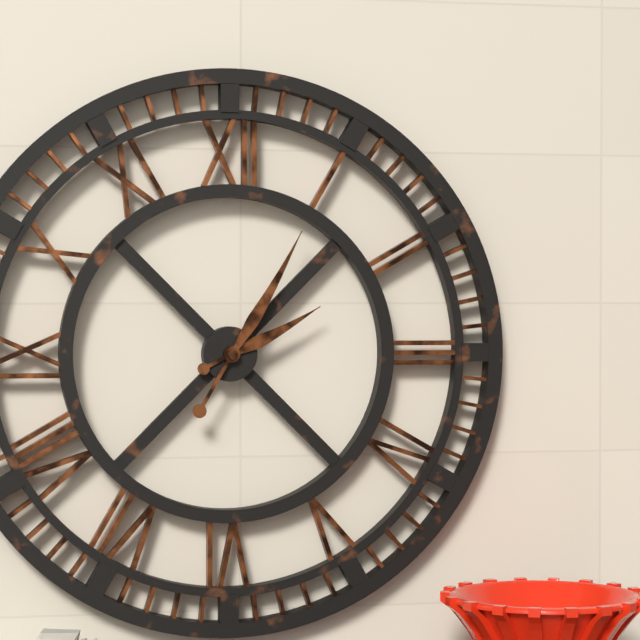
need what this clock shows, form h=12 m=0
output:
h=2 m=5
